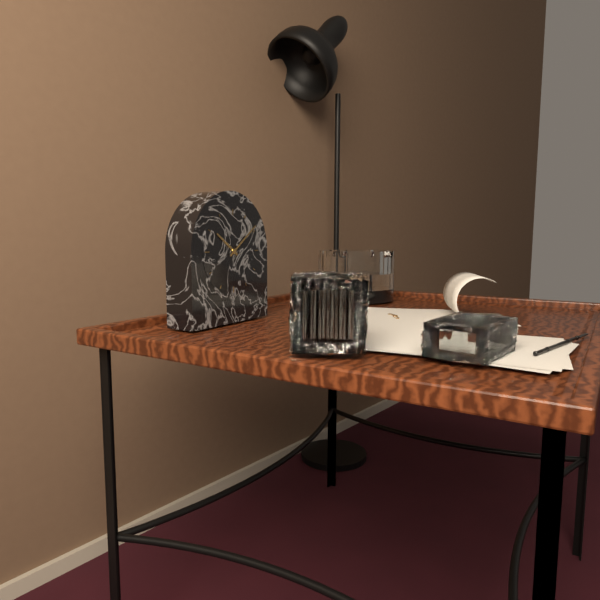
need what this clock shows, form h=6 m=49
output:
h=10 m=9
